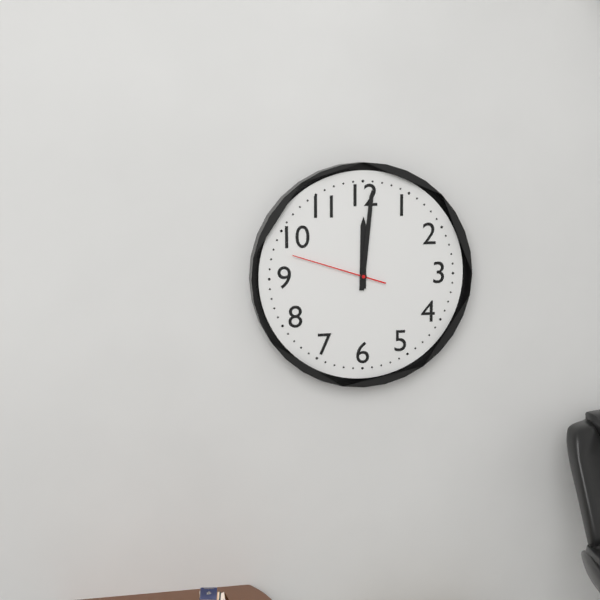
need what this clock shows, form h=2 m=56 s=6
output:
h=12 m=1 s=48
